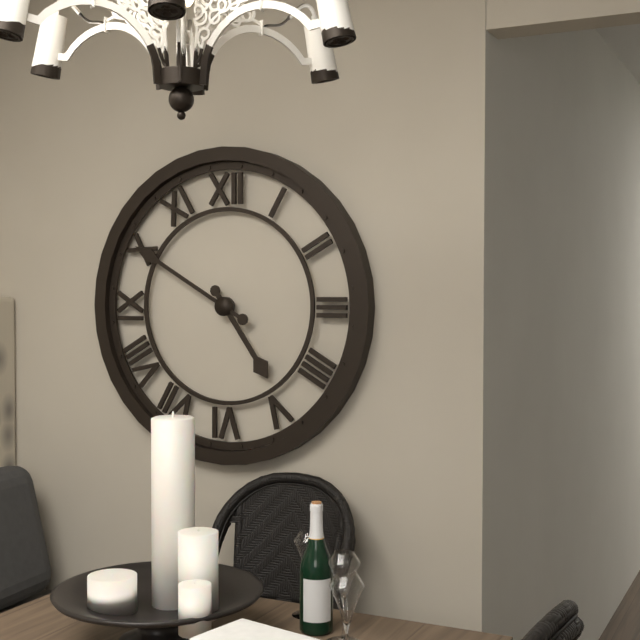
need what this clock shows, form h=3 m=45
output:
h=4 m=50
